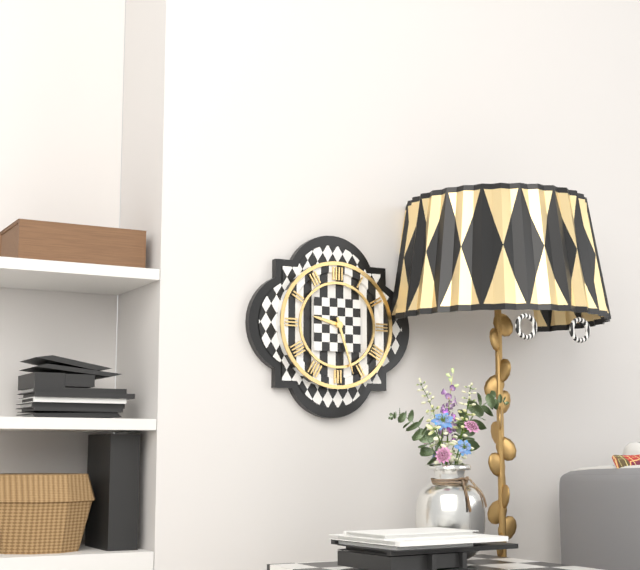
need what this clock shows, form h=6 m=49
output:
h=9 m=27
